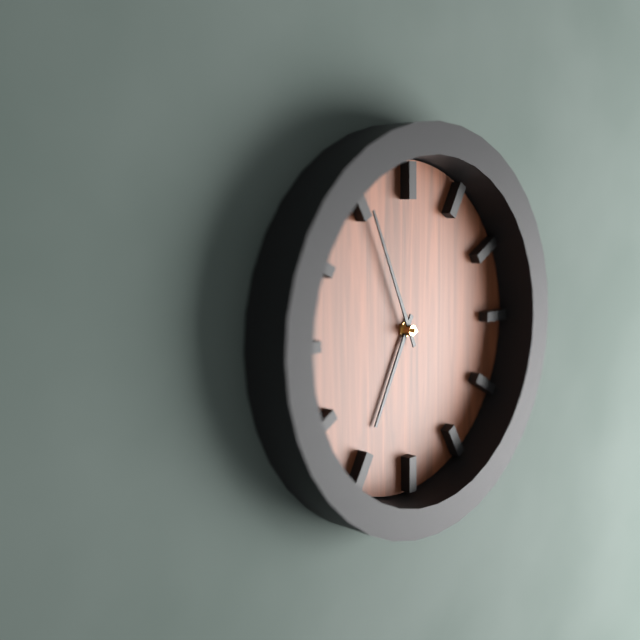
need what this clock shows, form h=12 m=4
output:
h=6 m=56
